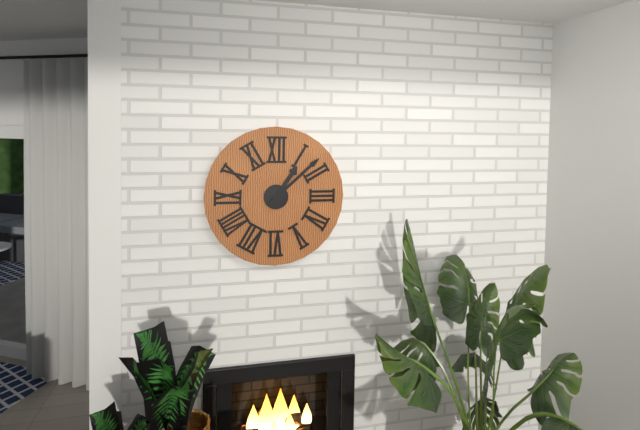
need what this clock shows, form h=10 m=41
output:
h=1 m=8
